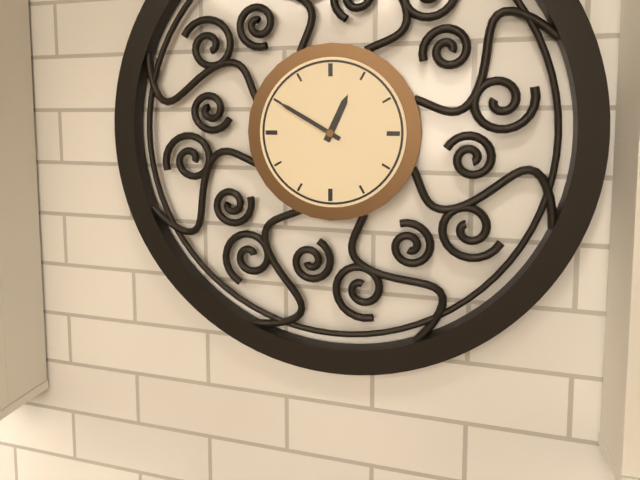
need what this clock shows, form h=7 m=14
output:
h=12 m=50
